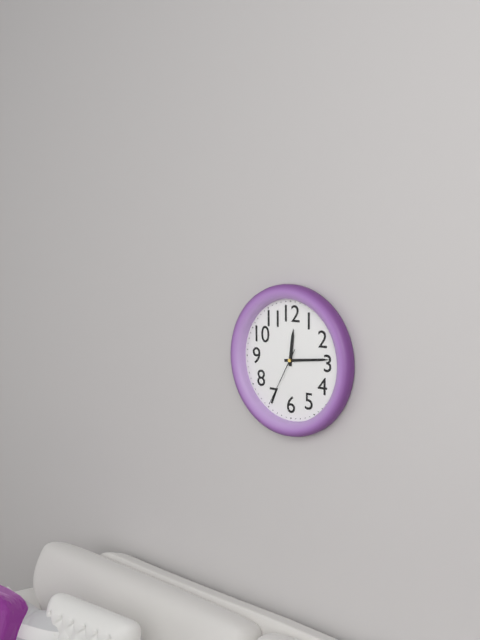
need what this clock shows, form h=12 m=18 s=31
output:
h=12 m=14 s=35
